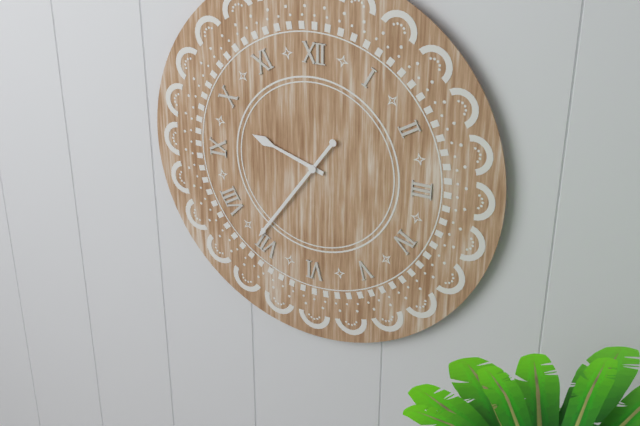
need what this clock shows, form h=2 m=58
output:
h=9 m=36
